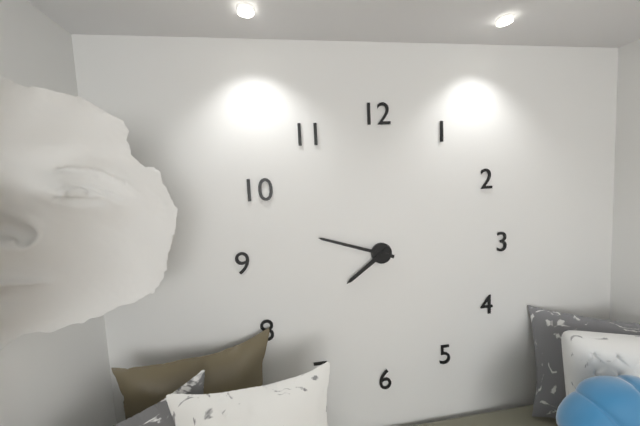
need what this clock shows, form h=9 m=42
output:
h=7 m=48
